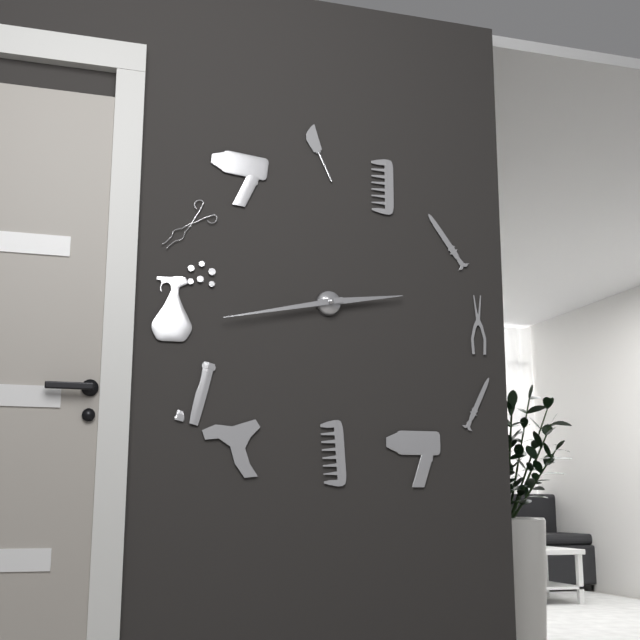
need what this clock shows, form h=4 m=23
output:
h=2 m=43
